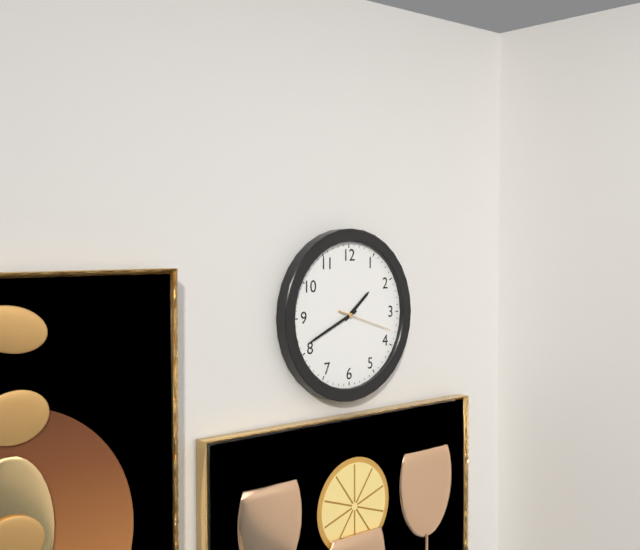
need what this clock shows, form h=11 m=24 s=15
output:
h=1 m=41 s=18
